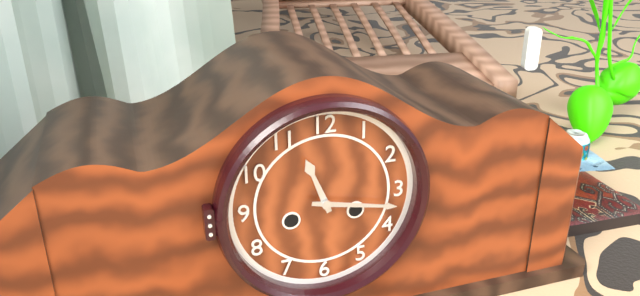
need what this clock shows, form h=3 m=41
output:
h=11 m=17
